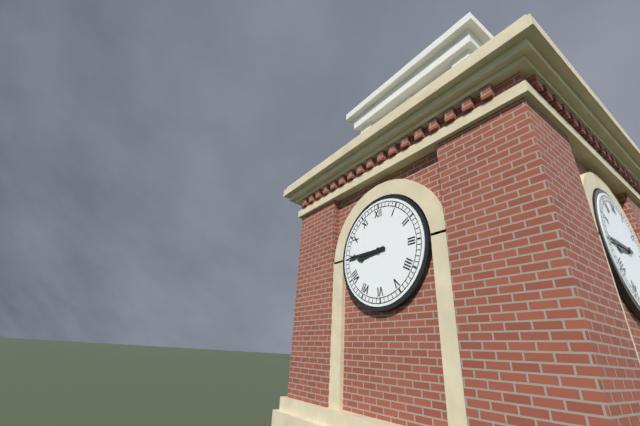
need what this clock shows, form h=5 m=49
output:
h=8 m=45
